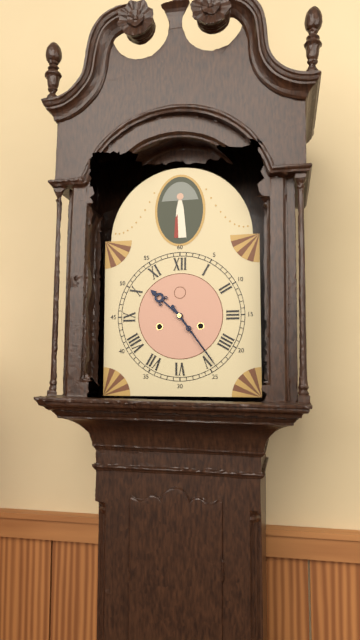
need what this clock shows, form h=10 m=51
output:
h=10 m=24
